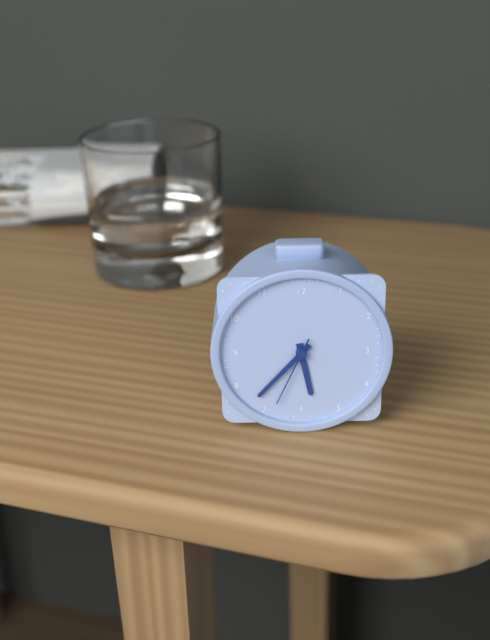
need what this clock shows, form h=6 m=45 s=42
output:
h=5 m=37 s=34
